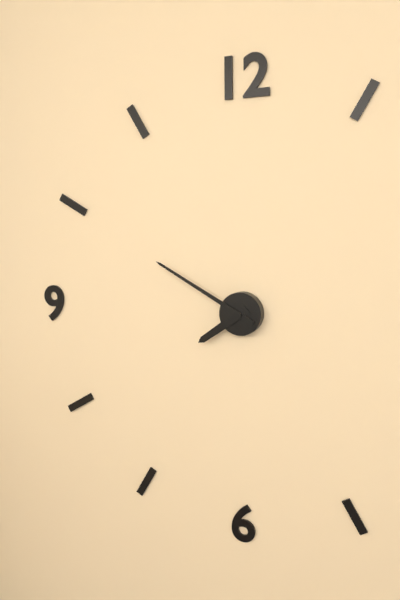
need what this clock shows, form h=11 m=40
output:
h=7 m=50
